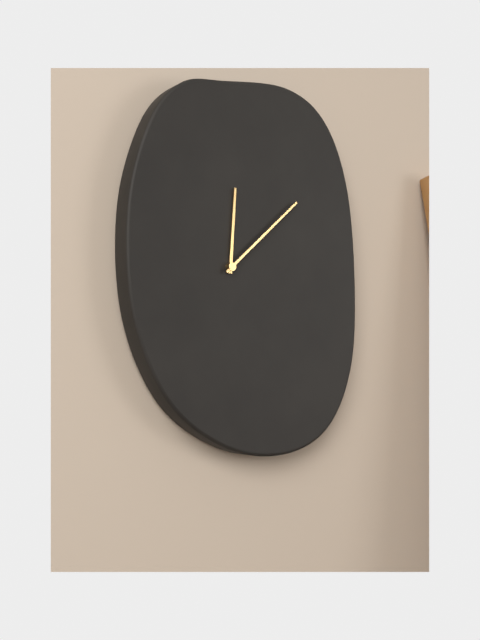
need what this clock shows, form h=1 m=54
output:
h=12 m=8
